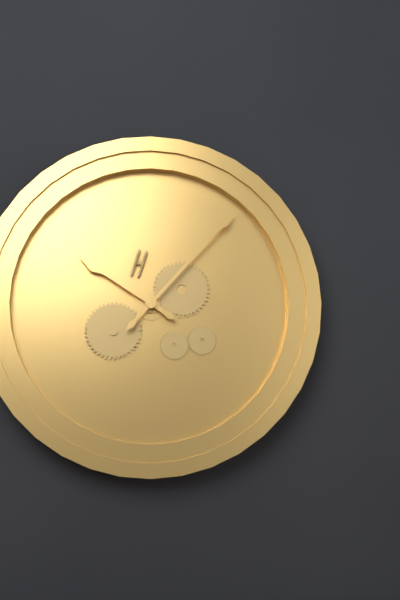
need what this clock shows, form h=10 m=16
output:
h=10 m=7
